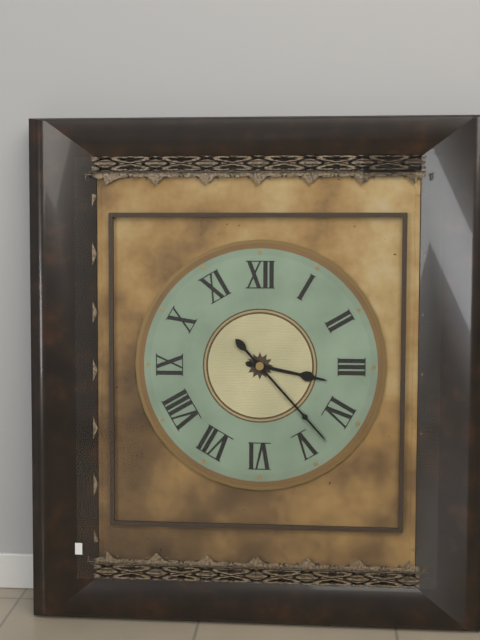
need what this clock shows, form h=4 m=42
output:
h=3 m=23
